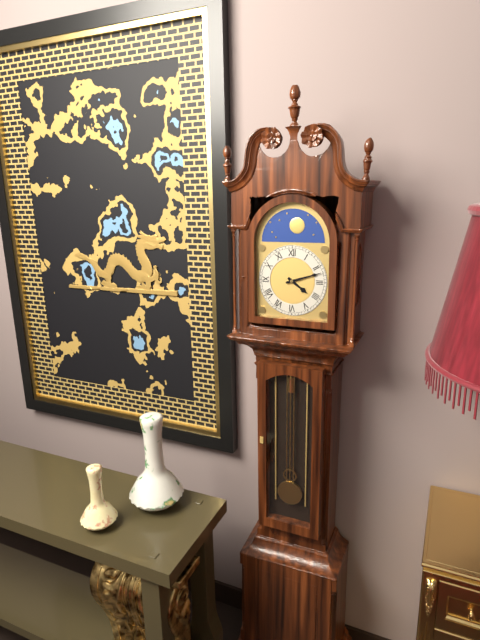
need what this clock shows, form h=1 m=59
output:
h=4 m=12
